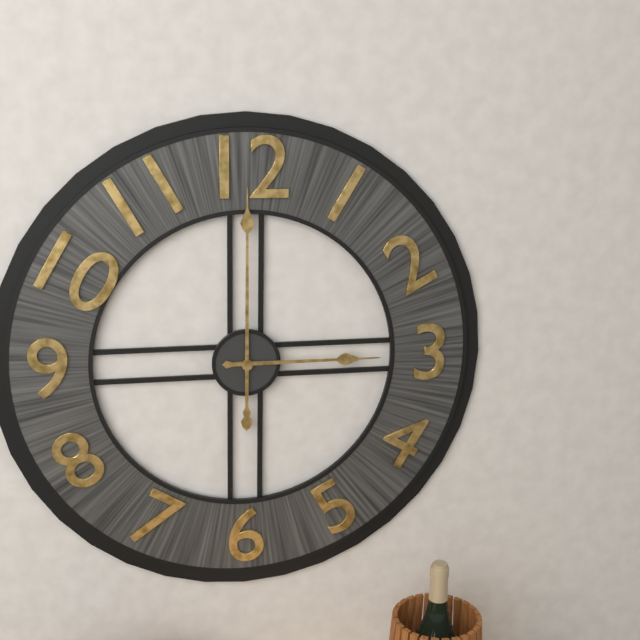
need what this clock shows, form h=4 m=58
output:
h=3 m=0
